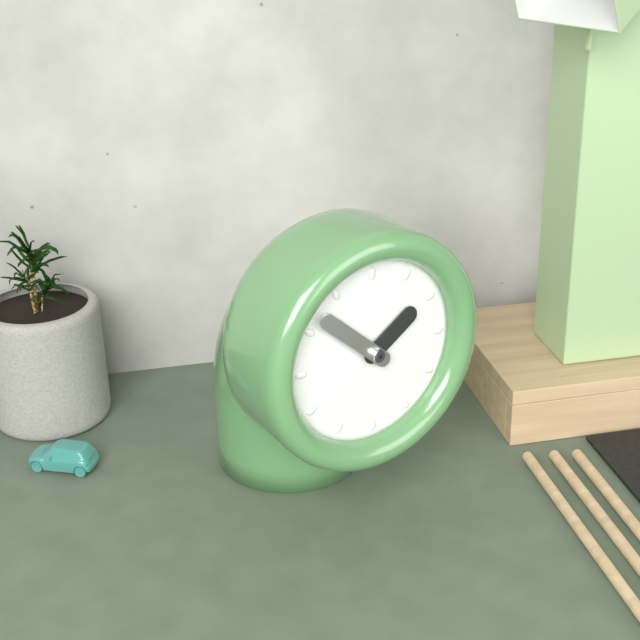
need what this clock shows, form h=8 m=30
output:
h=1 m=52
